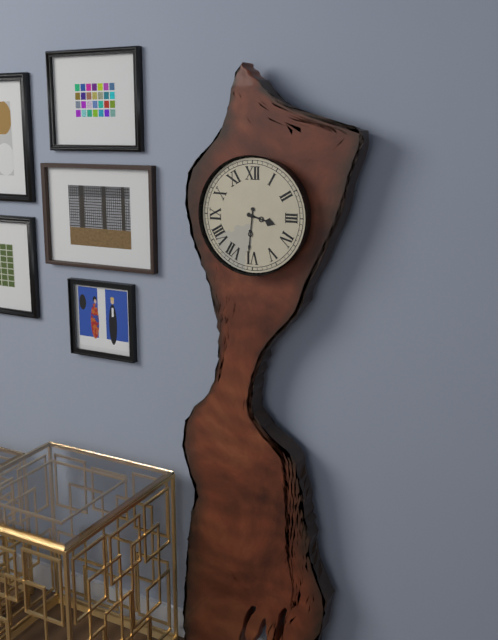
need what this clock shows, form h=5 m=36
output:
h=3 m=31
